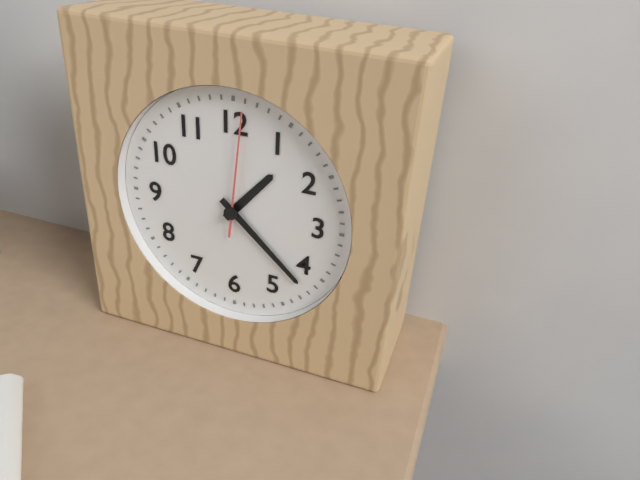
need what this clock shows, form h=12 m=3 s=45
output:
h=1 m=22 s=1
